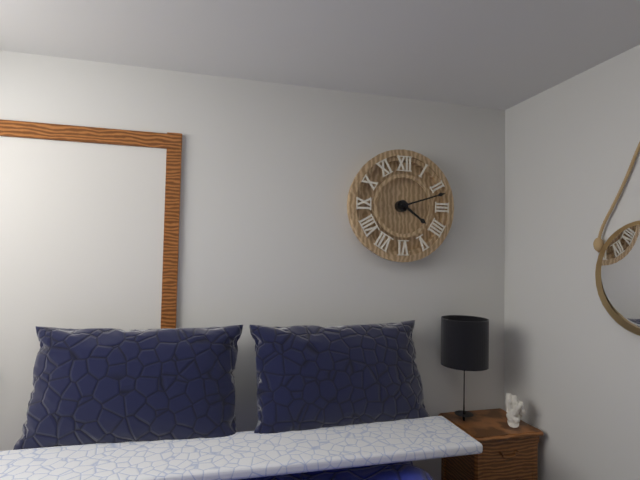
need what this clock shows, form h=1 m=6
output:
h=4 m=12
